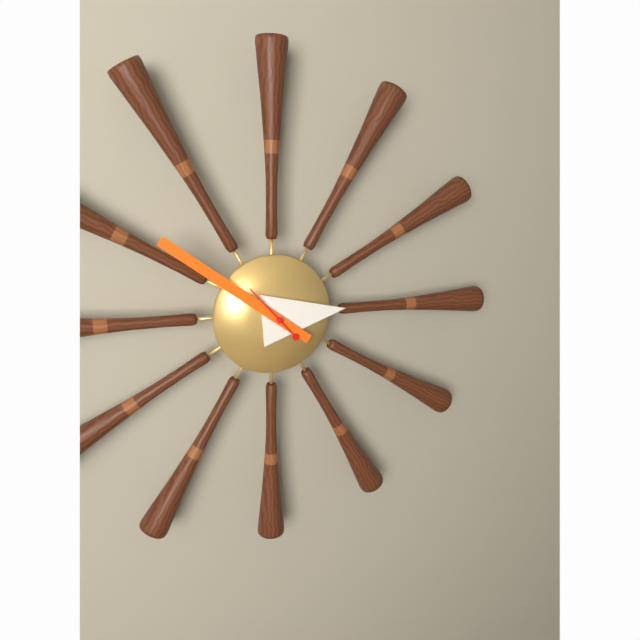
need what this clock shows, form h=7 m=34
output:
h=2 m=51
